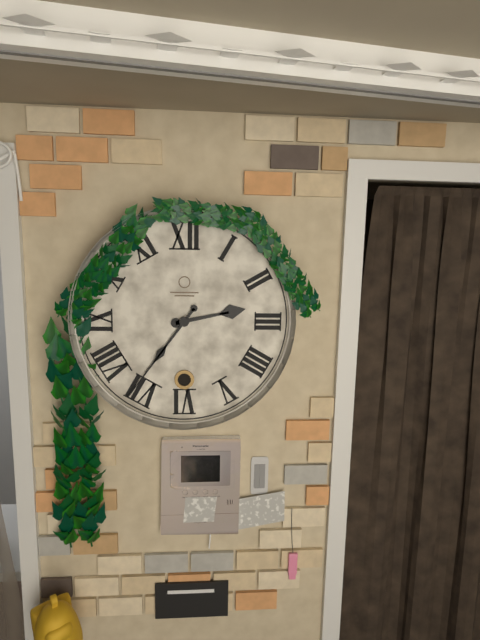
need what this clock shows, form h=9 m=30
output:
h=2 m=36
